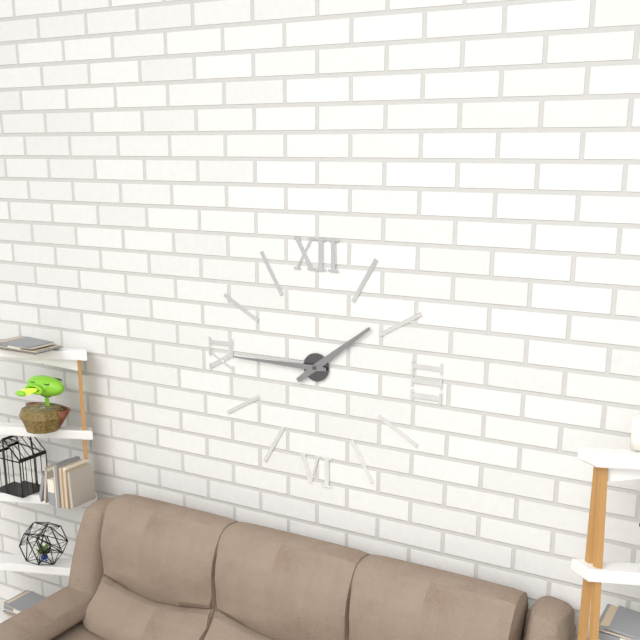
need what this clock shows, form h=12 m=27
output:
h=1 m=45
